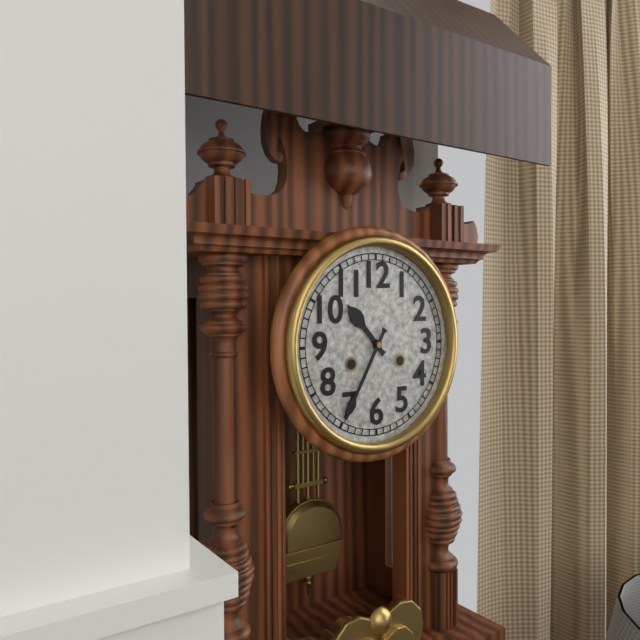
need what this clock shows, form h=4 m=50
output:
h=10 m=35
